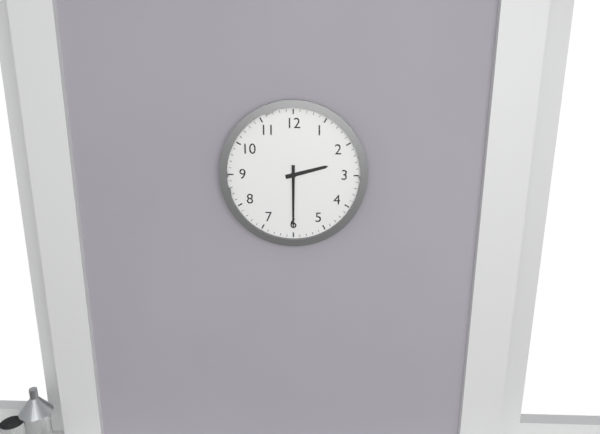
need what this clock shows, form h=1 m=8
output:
h=2 m=30
